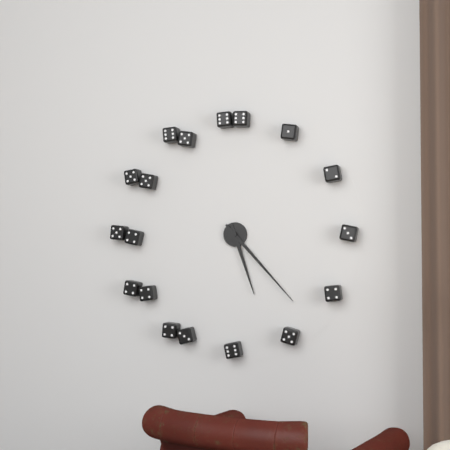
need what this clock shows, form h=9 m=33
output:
h=5 m=23
